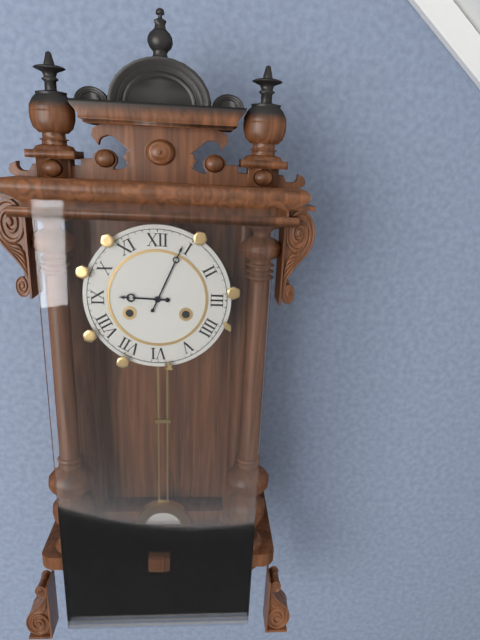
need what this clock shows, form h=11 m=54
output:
h=9 m=4
